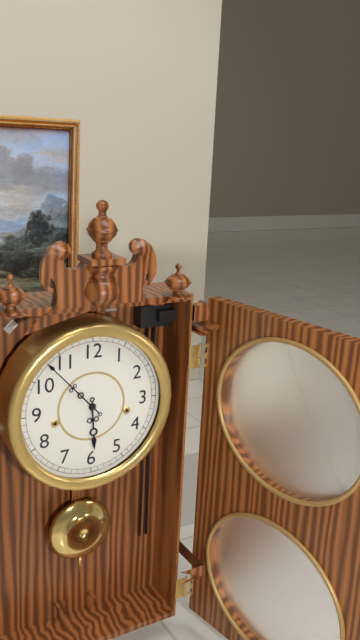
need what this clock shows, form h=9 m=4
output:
h=5 m=53
